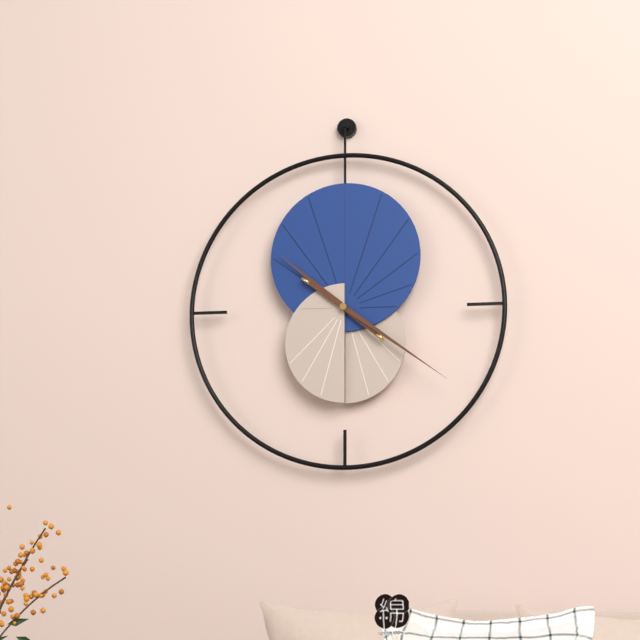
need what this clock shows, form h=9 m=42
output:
h=10 m=21
